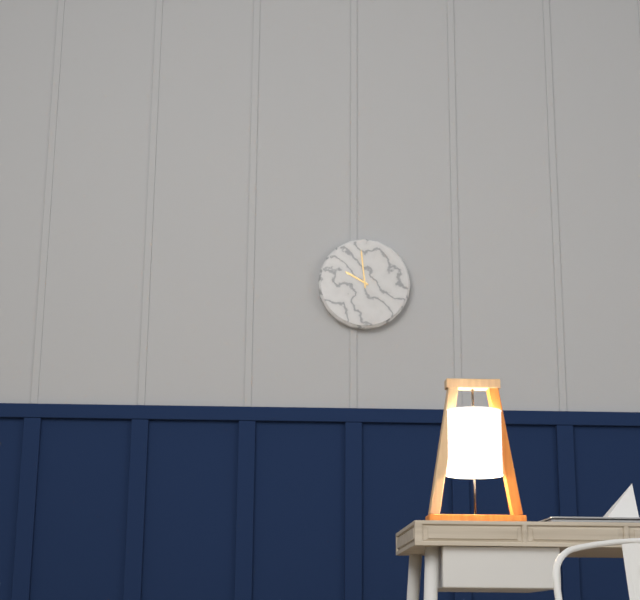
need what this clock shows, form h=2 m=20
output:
h=9 m=59
